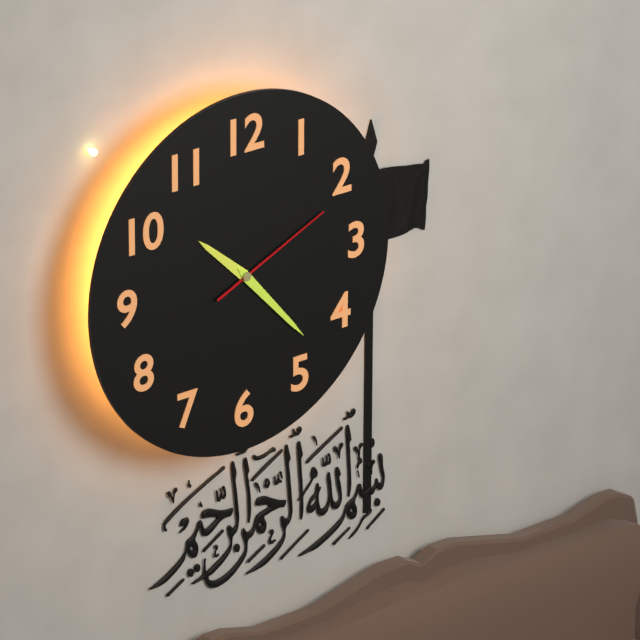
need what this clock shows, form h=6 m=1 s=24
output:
h=10 m=23 s=11
